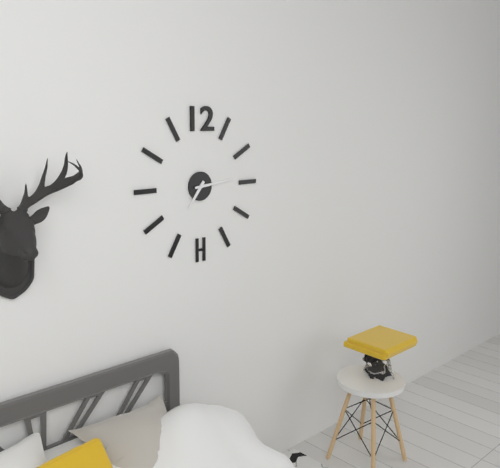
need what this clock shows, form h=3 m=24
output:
h=7 m=14
